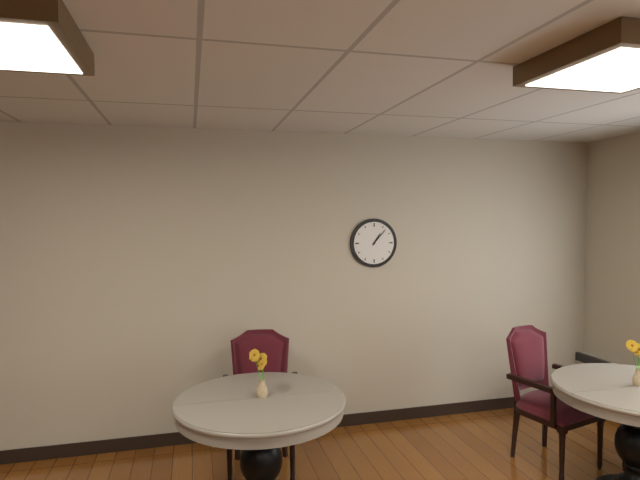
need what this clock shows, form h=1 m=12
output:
h=1 m=7
